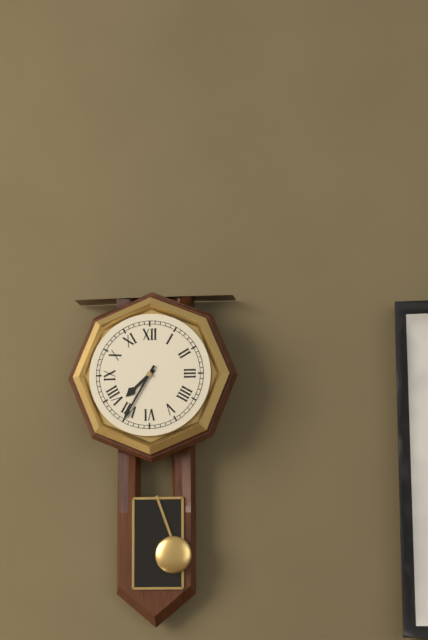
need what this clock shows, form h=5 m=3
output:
h=7 m=35
